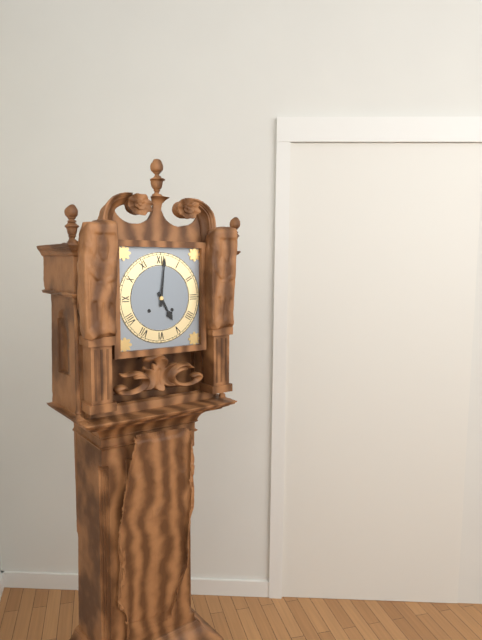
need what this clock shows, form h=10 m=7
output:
h=5 m=1
